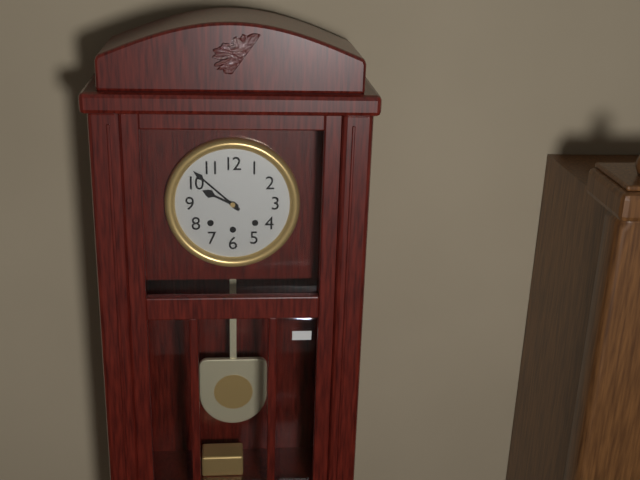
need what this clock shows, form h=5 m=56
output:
h=9 m=52
